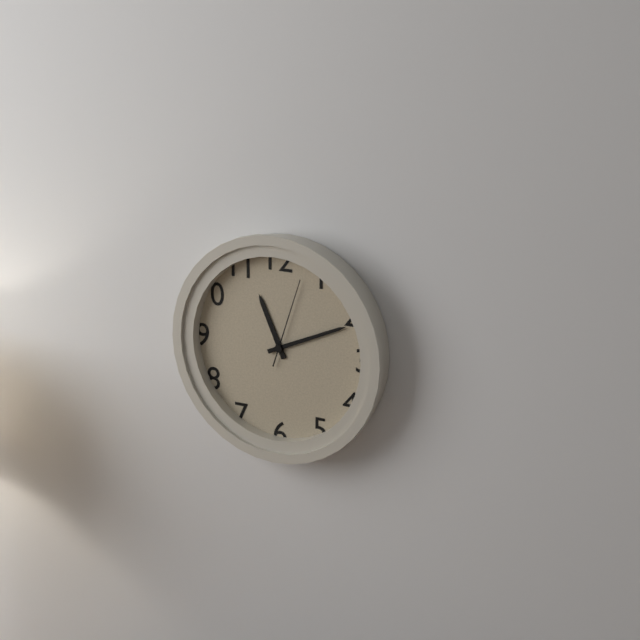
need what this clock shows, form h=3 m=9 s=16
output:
h=11 m=11 s=3
